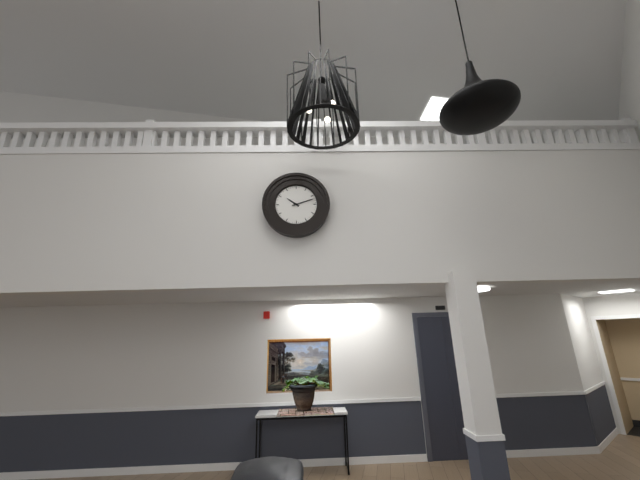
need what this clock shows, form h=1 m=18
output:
h=10 m=12
